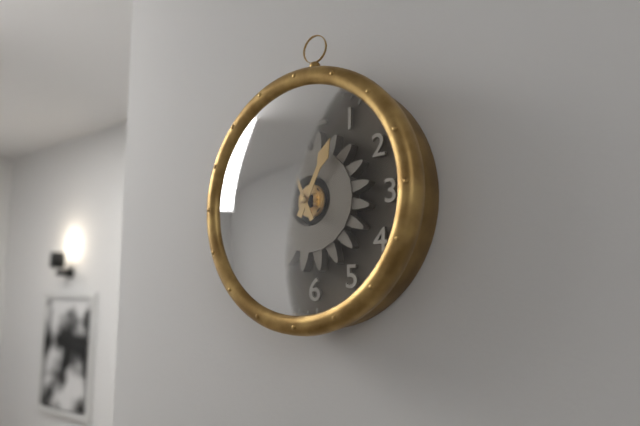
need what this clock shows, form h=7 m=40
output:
h=12 m=56
